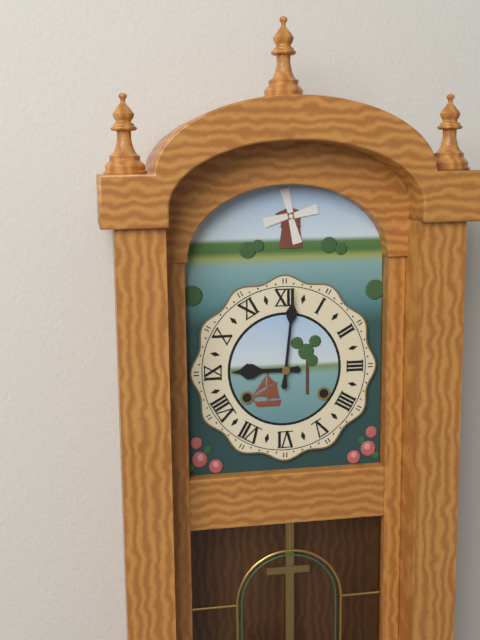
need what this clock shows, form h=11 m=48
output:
h=9 m=1
